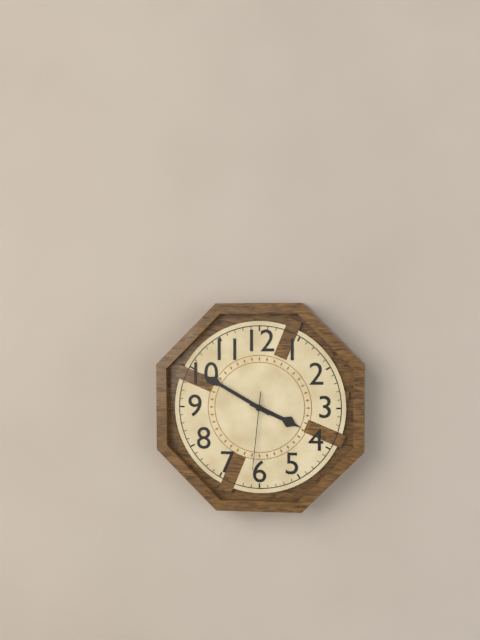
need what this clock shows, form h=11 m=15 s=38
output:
h=3 m=50 s=31
